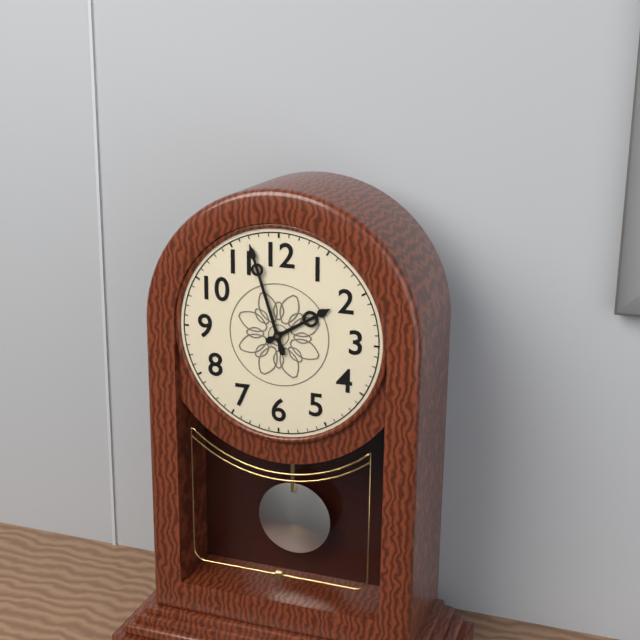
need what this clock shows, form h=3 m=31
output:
h=1 m=57
